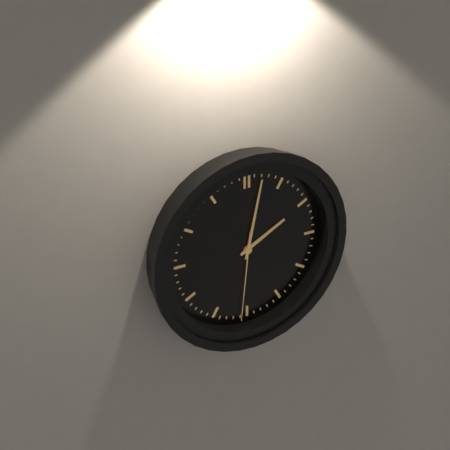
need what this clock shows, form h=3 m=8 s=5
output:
h=2 m=2 s=31
